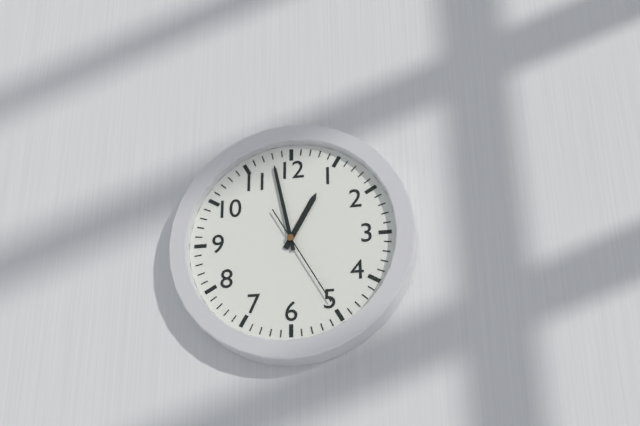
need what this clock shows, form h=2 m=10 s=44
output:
h=12 m=58 s=25
